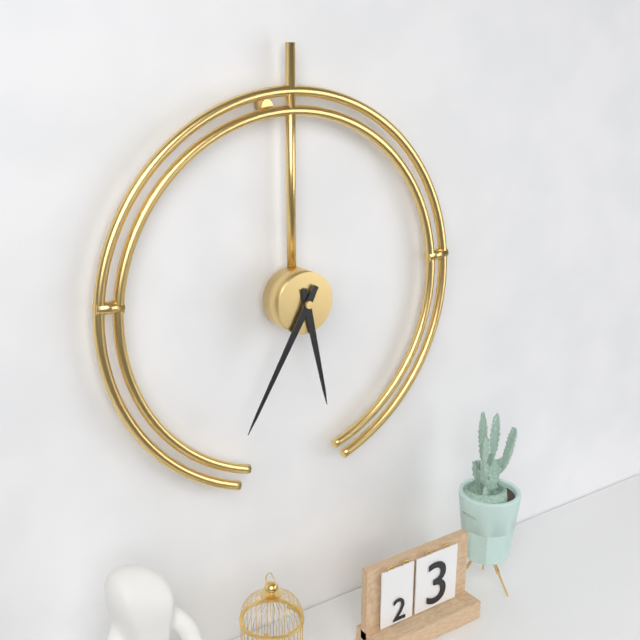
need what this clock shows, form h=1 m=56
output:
h=5 m=35
